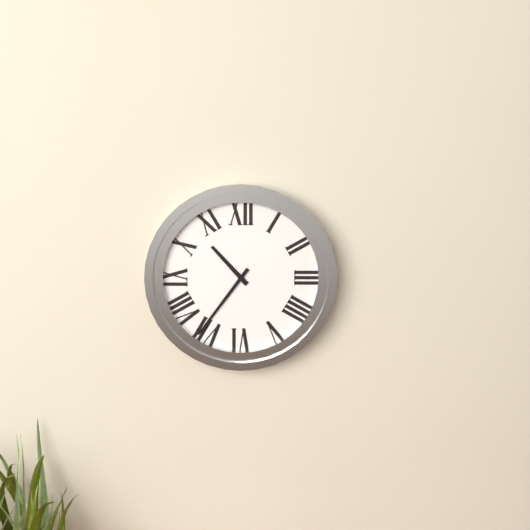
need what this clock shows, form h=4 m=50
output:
h=10 m=36
